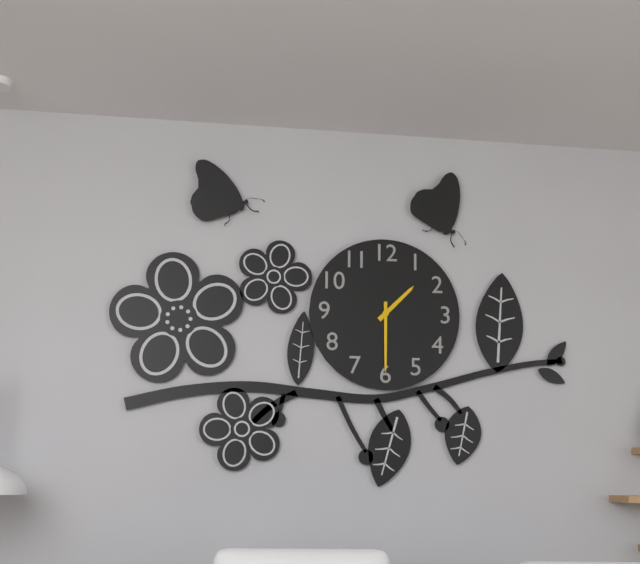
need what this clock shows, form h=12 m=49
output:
h=1 m=30
